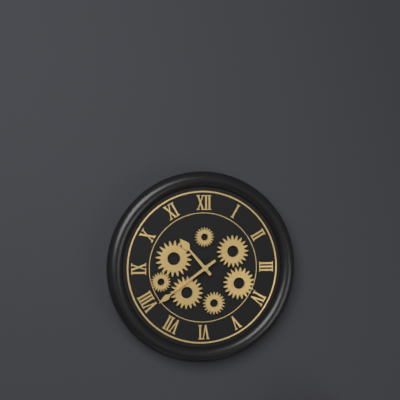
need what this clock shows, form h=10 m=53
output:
h=10 m=39
